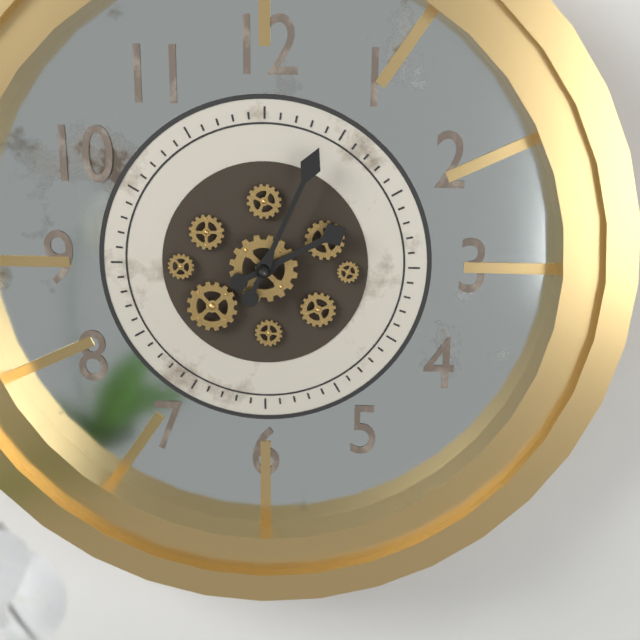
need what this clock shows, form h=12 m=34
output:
h=2 m=4
